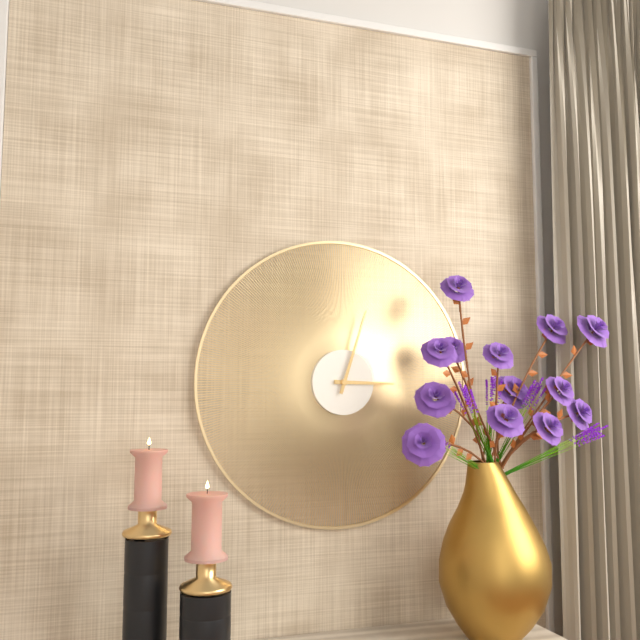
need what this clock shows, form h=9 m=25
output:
h=3 m=3
